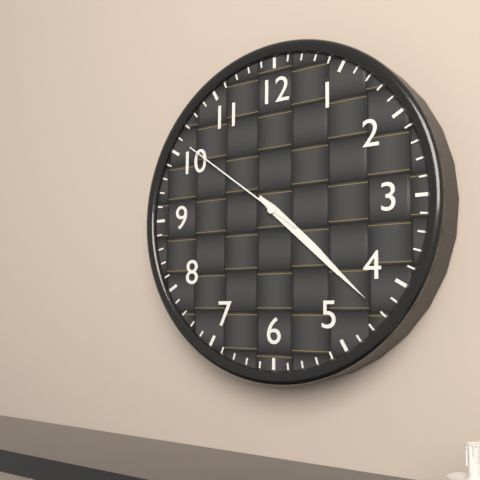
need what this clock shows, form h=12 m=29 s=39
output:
h=4 m=22 s=51
